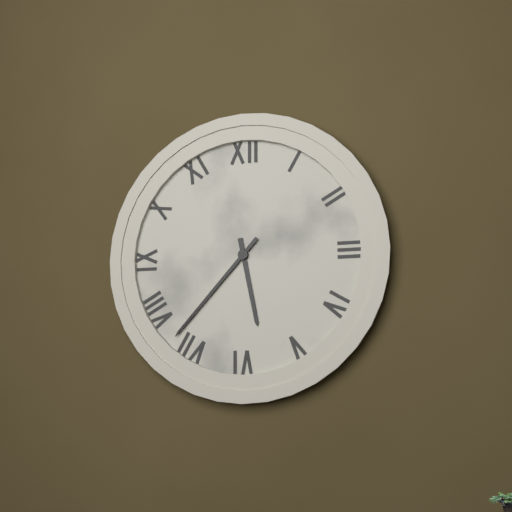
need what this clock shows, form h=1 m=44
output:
h=5 m=37
